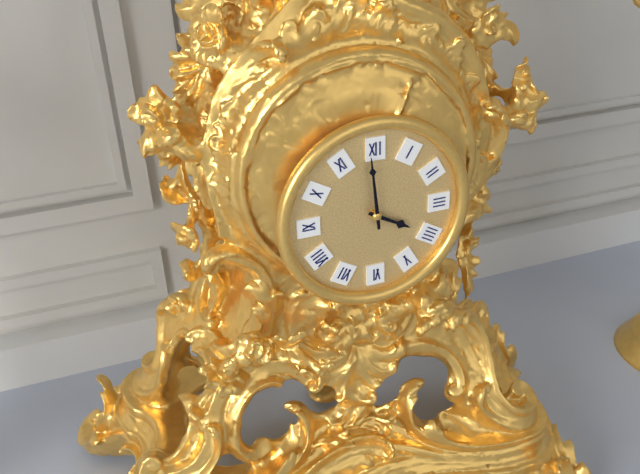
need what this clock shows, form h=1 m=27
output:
h=3 m=59
